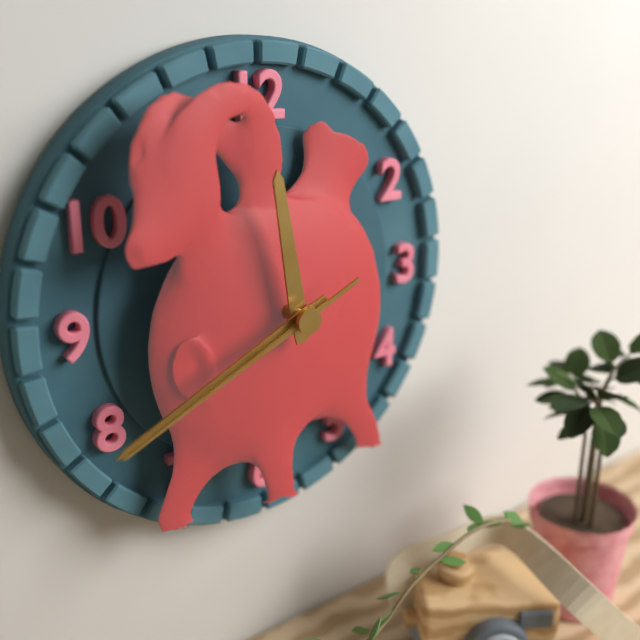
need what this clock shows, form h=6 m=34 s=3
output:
h=11 m=41 s=41
